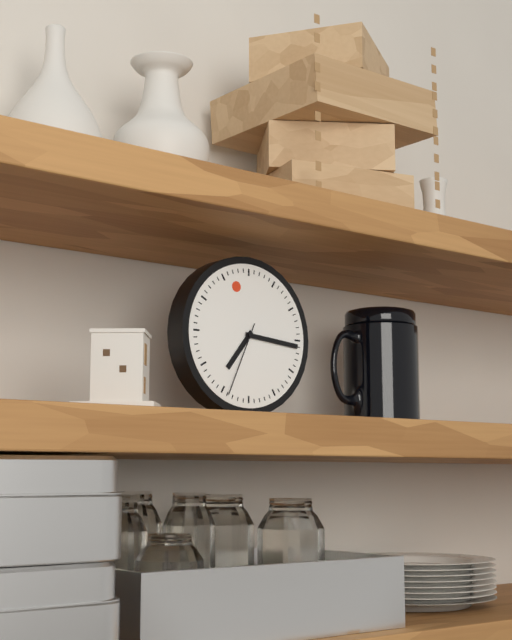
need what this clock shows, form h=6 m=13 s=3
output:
h=7 m=16 s=34
